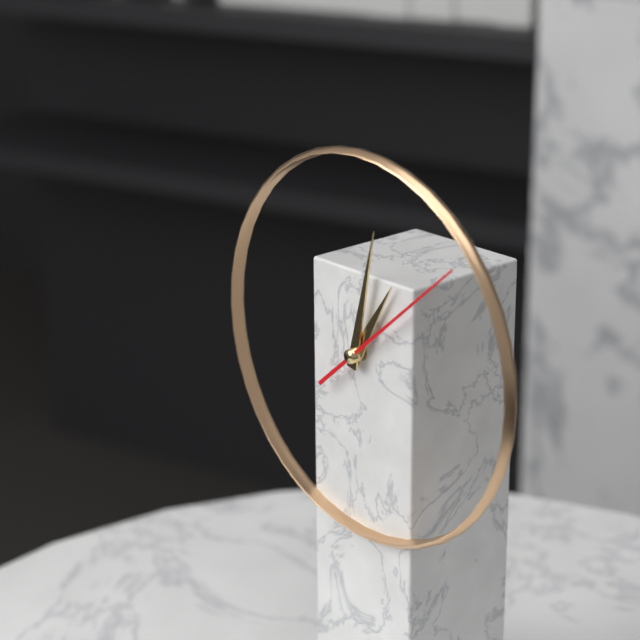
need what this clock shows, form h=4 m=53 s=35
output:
h=1 m=2 s=8
